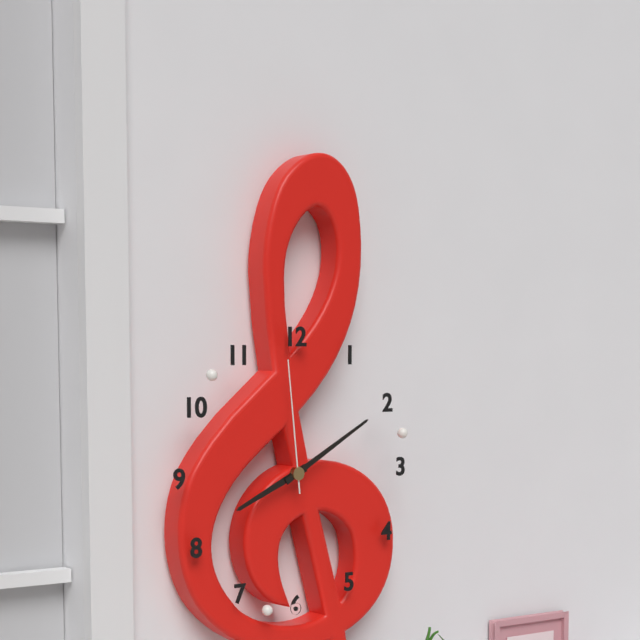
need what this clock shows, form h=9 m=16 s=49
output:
h=8 m=10 s=59
